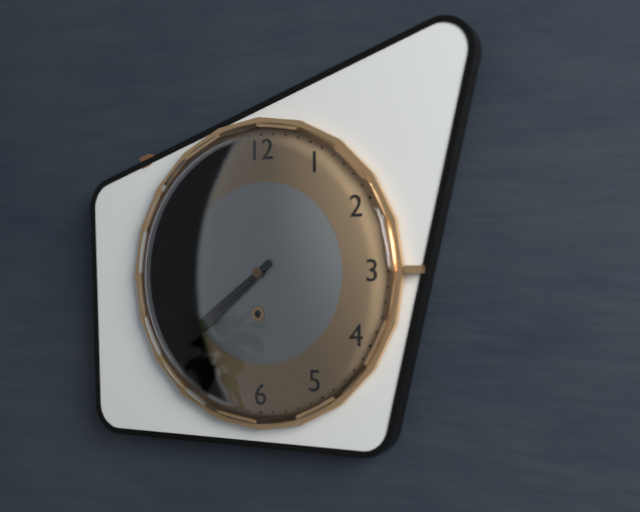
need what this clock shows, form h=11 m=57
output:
h=7 m=39
